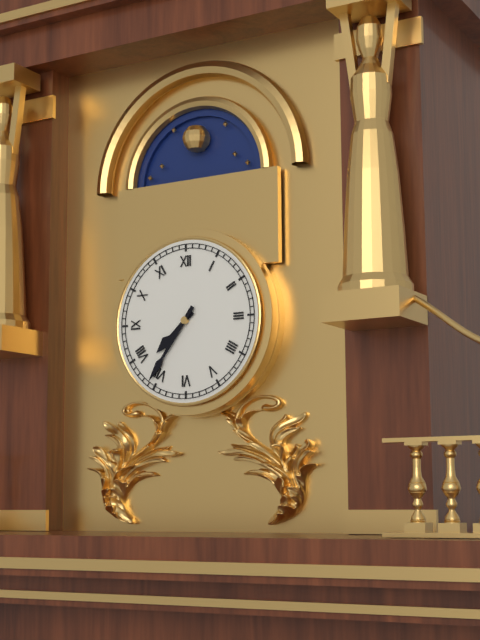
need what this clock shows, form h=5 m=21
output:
h=7 m=36
